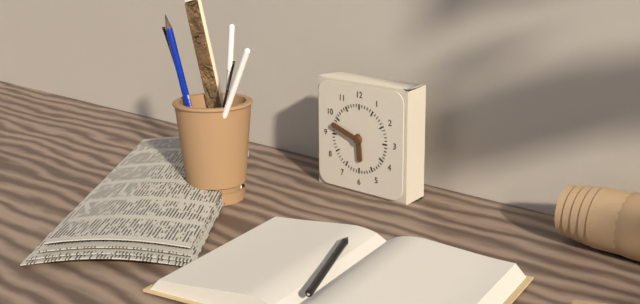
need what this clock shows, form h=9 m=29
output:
h=5 m=48
